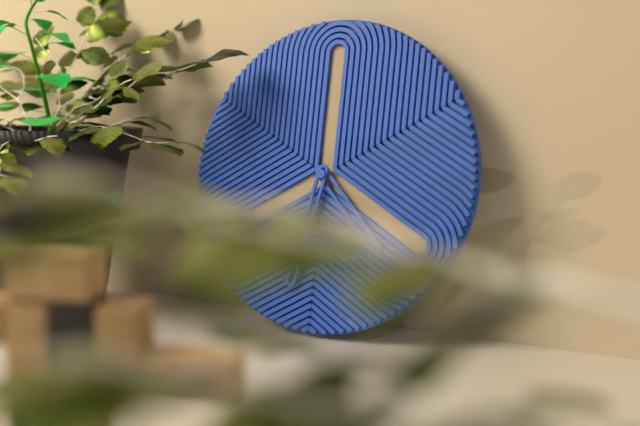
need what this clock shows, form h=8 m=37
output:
h=4 m=32
